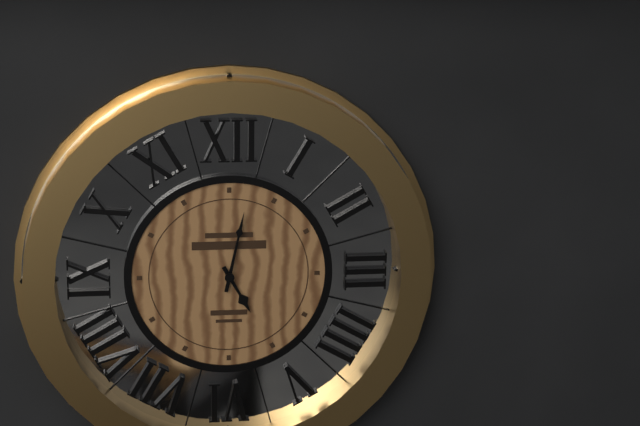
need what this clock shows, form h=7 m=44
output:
h=5 m=2
